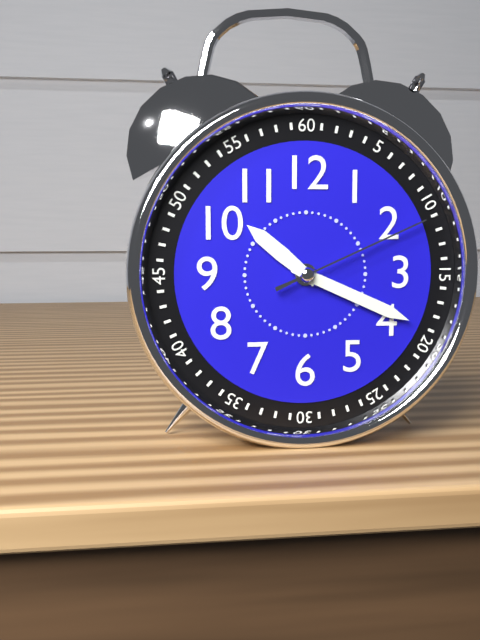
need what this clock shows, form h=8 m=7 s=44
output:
h=10 m=19 s=11
